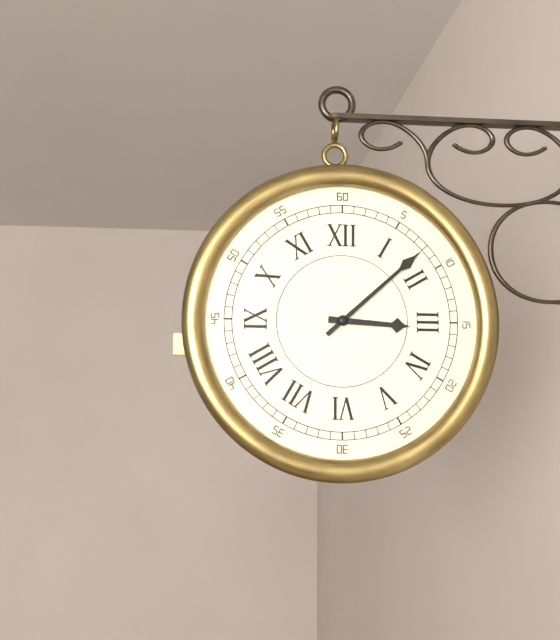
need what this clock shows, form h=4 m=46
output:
h=3 m=8
